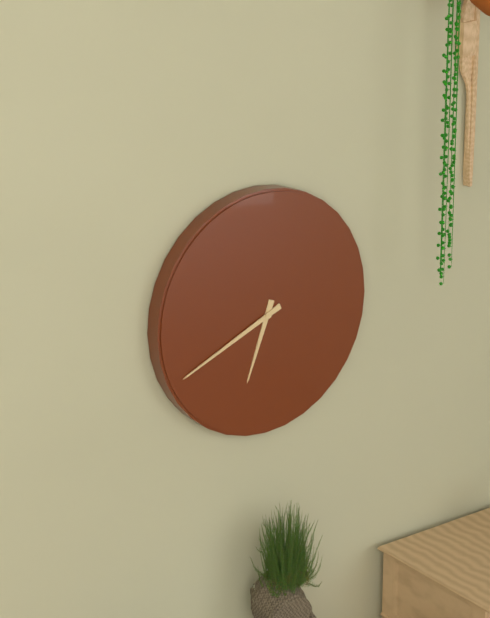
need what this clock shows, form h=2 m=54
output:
h=6 m=41
